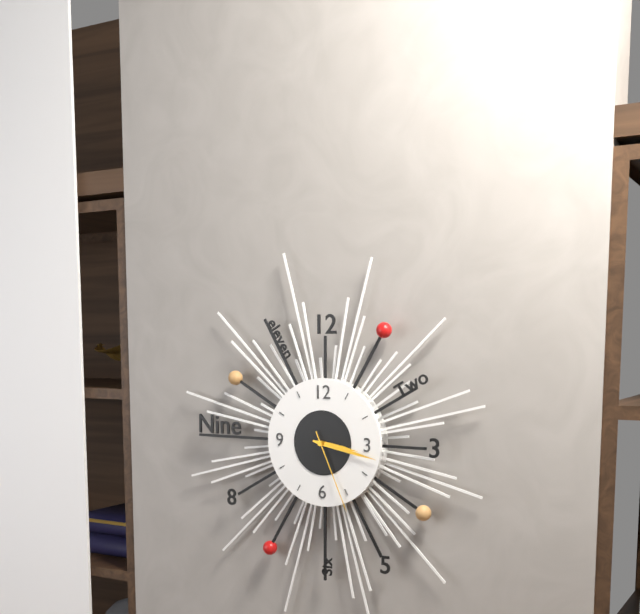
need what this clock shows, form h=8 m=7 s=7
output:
h=3 m=17 s=26
